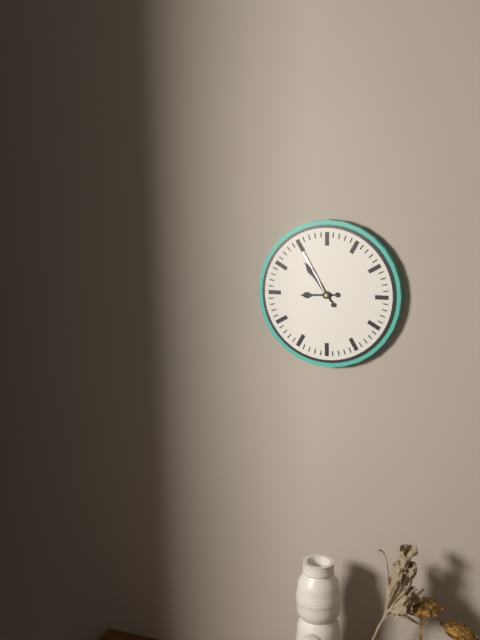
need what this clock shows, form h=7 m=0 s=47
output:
h=8 m=54 s=55
